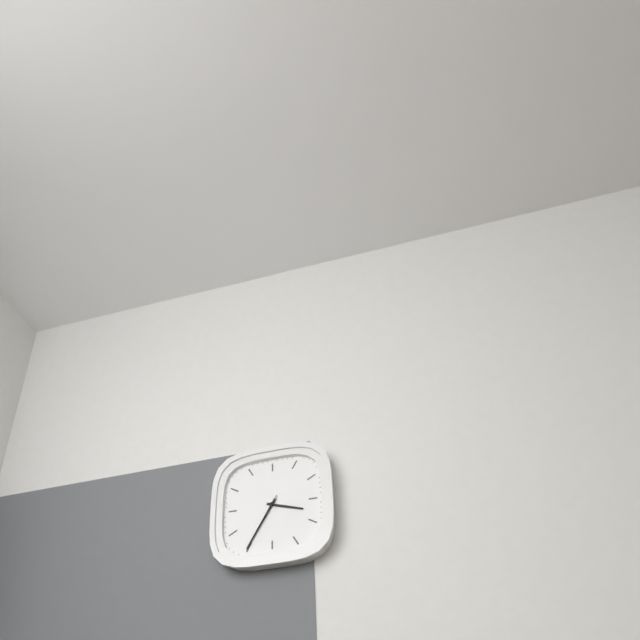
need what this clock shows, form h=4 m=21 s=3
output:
h=3 m=35 s=35
